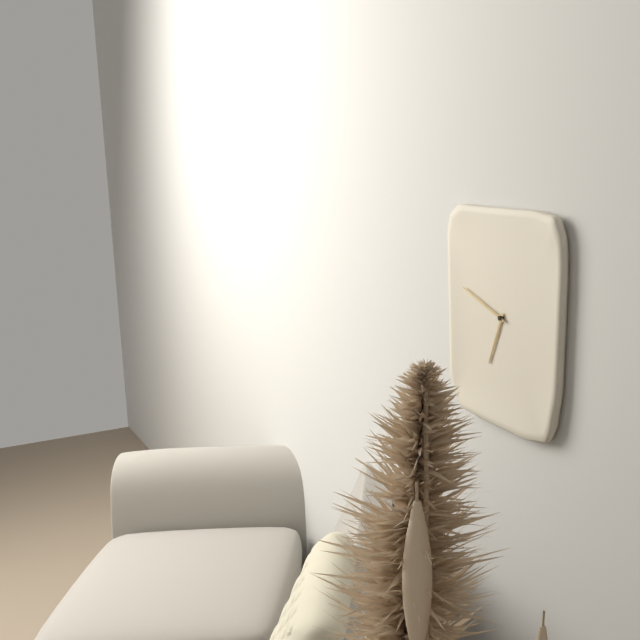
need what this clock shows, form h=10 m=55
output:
h=6 m=48
